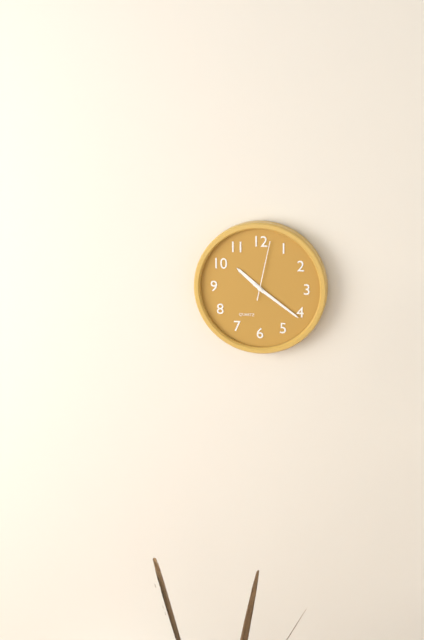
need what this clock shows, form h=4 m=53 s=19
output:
h=10 m=21 s=2
